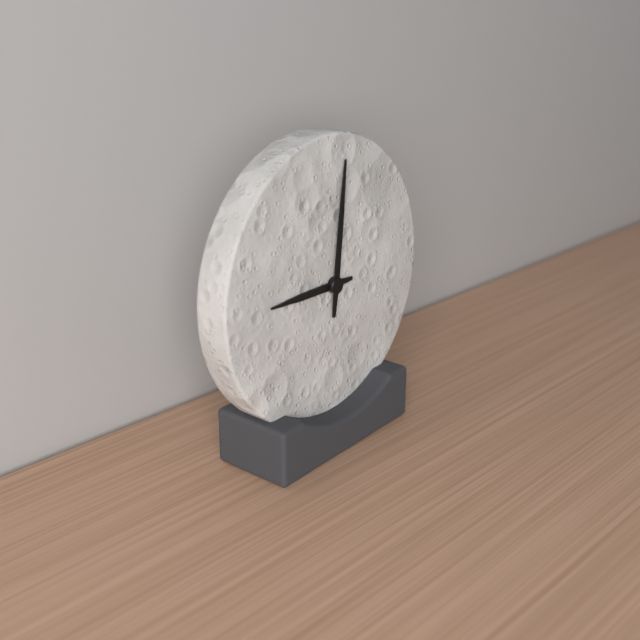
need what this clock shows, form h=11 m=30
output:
h=9 m=1
